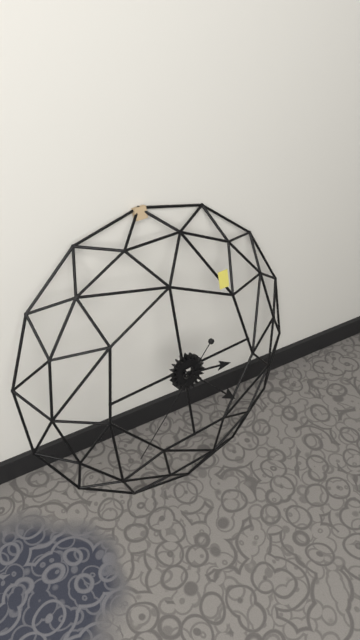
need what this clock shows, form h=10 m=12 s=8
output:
h=3 m=23 s=38
